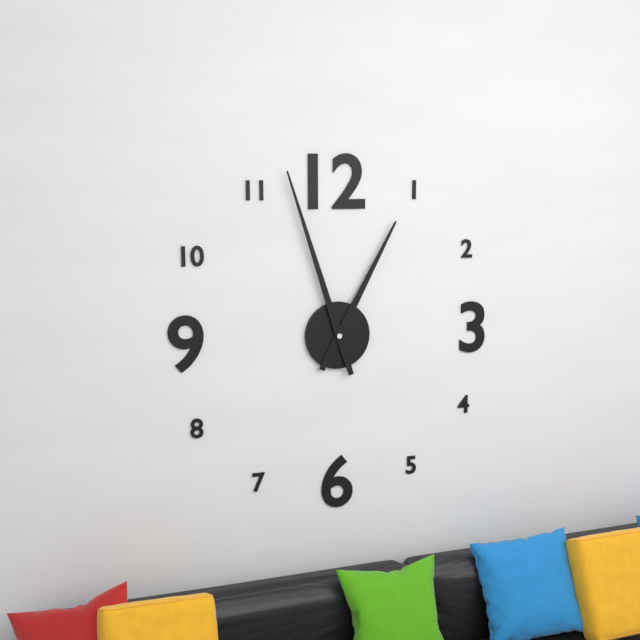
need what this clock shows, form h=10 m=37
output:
h=12 m=57
